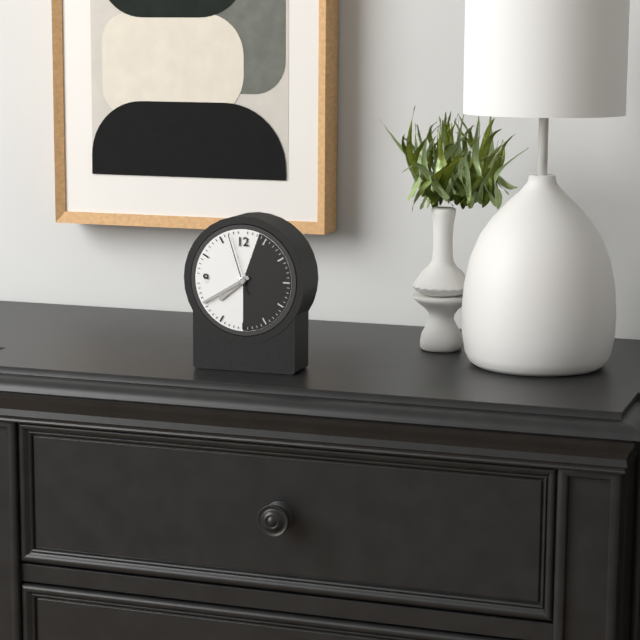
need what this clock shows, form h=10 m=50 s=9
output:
h=7 m=40 s=57
